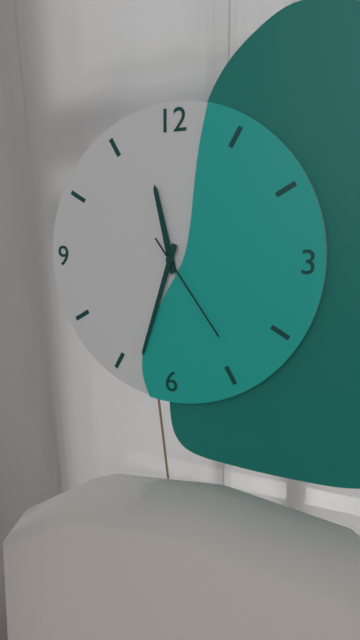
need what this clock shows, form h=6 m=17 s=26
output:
h=11 m=33 s=24
